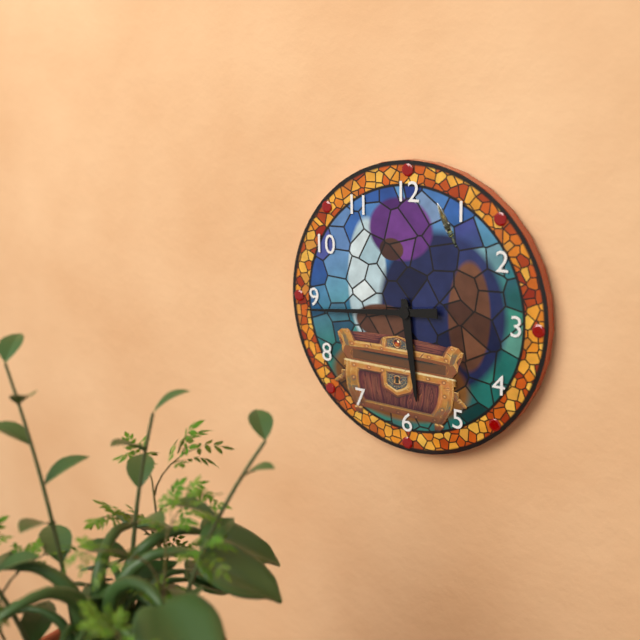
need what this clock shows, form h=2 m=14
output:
h=5 m=44
